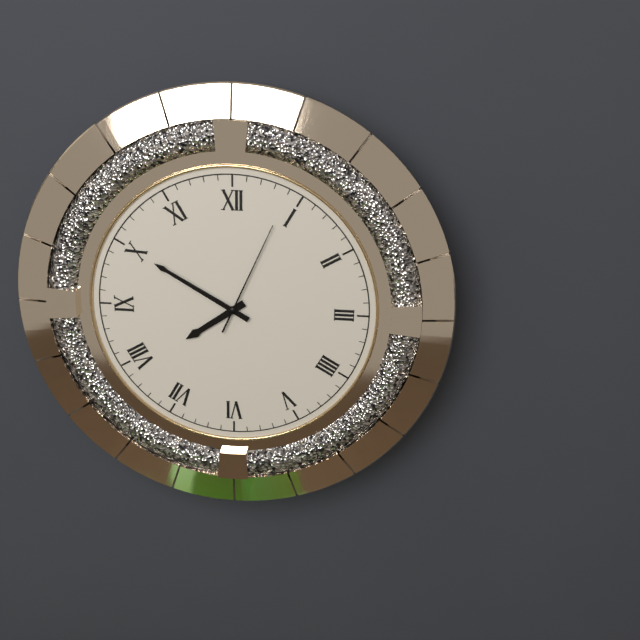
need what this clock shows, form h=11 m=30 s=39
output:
h=7 m=50 s=4
